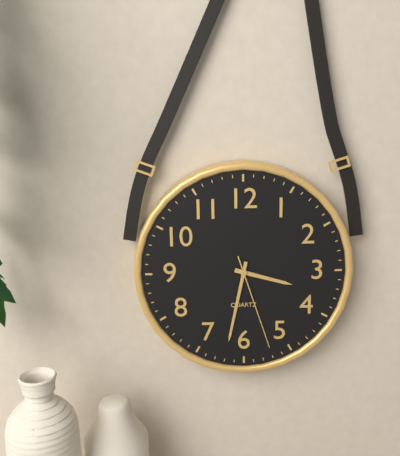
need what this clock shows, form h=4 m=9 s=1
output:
h=3 m=32 s=27
